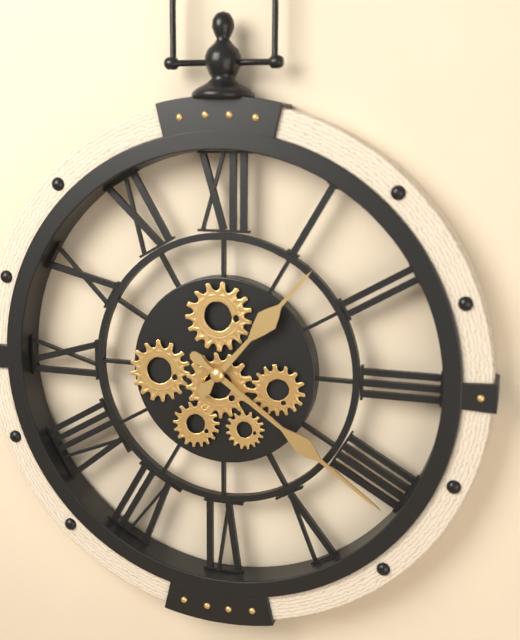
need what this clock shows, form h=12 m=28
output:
h=1 m=21
